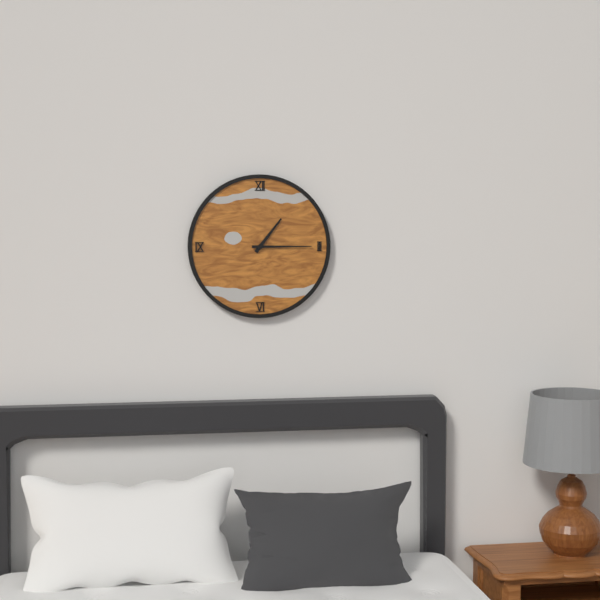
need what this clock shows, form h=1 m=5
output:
h=1 m=15
